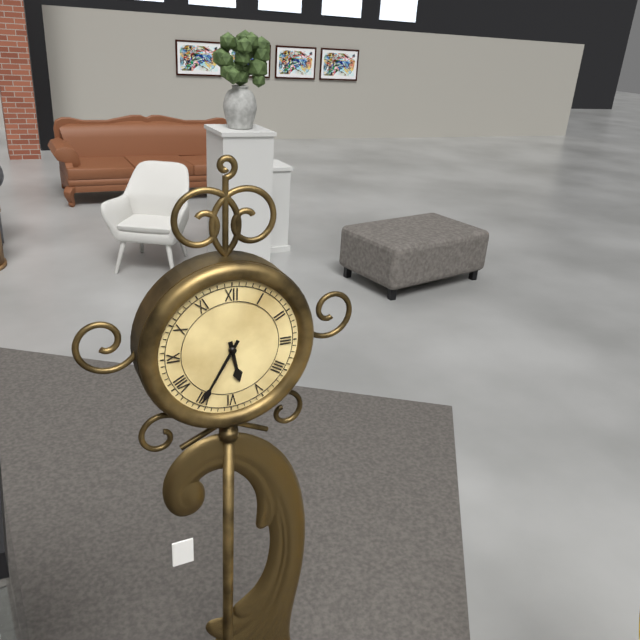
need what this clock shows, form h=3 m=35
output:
h=5 m=35
